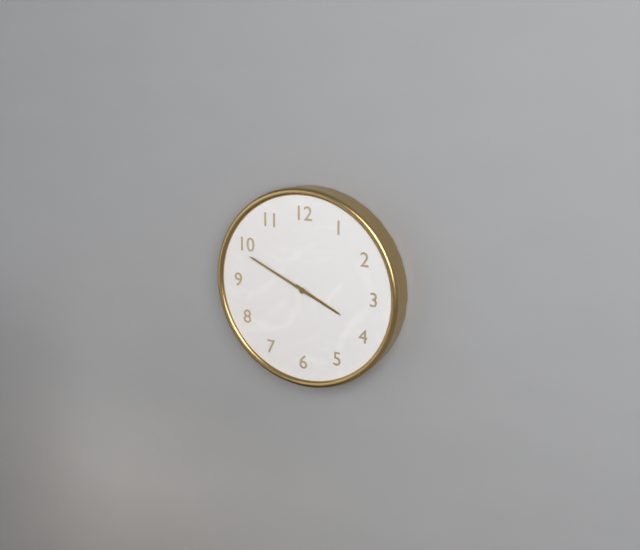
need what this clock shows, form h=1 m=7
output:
h=3 m=49
